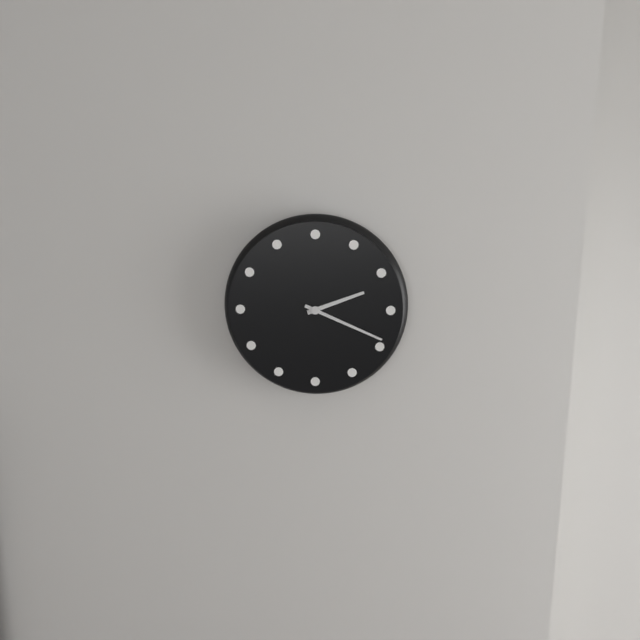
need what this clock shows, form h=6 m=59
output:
h=2 m=19
